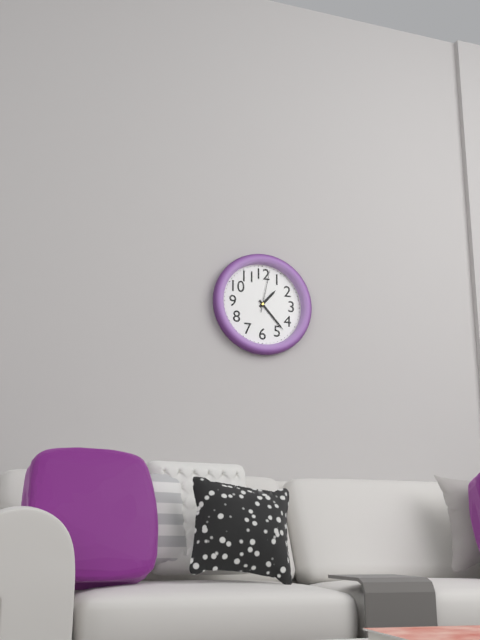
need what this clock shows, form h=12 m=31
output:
h=1 m=23
